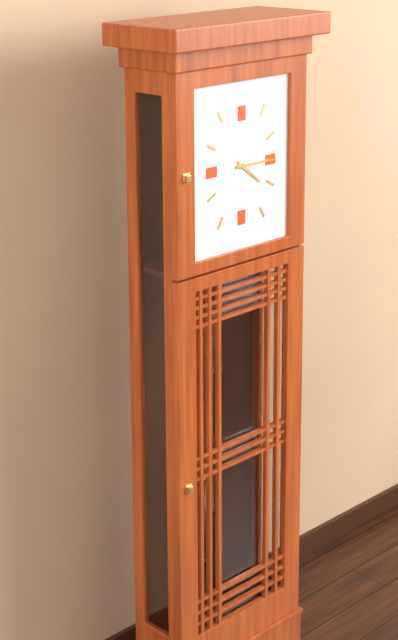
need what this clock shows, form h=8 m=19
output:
h=4 m=15
